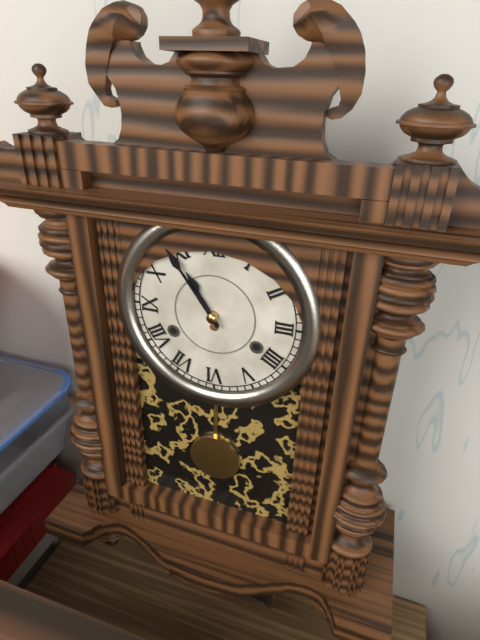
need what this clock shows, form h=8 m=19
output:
h=10 m=54
